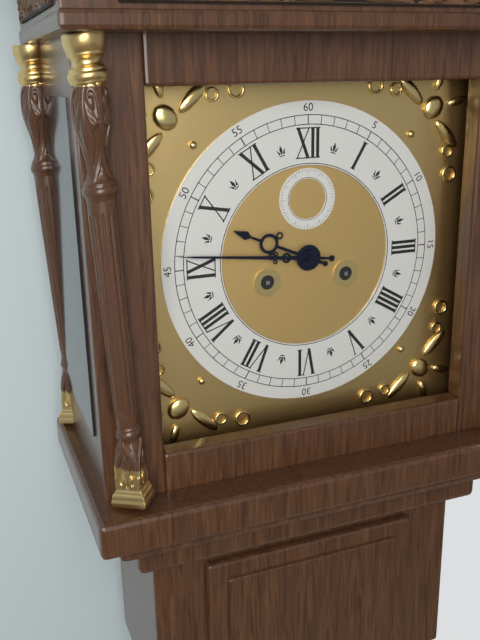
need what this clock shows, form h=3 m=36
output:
h=9 m=46
